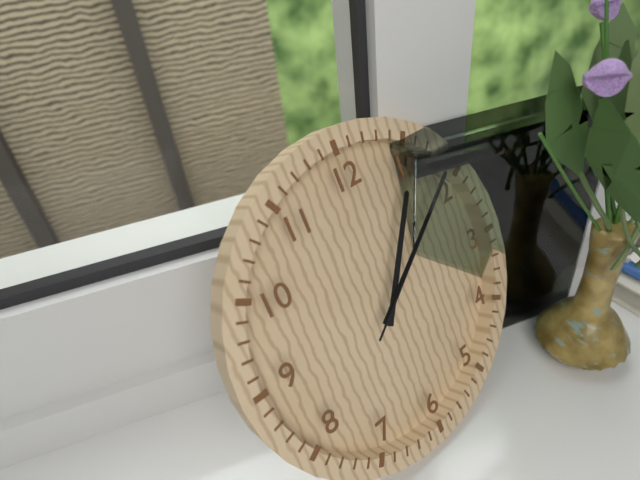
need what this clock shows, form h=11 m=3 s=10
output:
h=1 m=9 s=9
